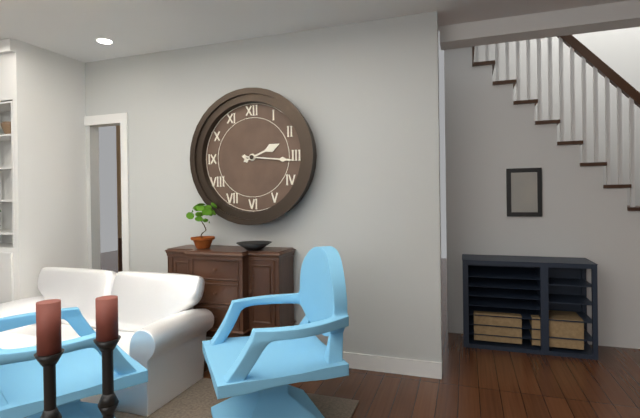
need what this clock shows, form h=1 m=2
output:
h=2 m=16
